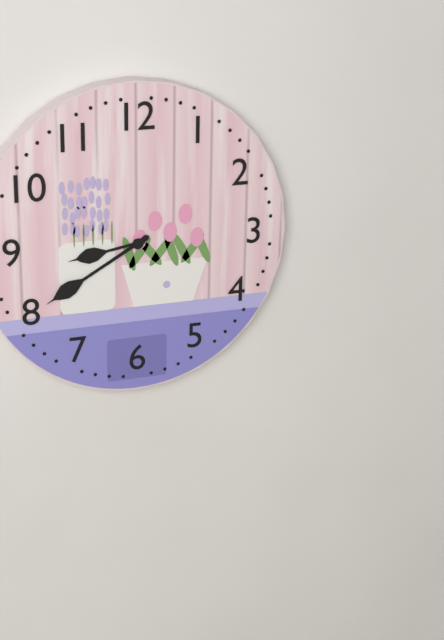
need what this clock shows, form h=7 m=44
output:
h=8 m=40
